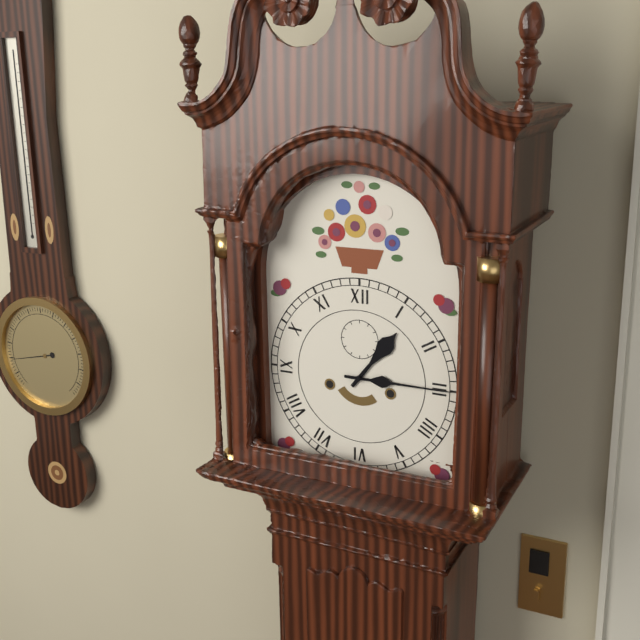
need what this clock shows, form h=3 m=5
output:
h=1 m=15
